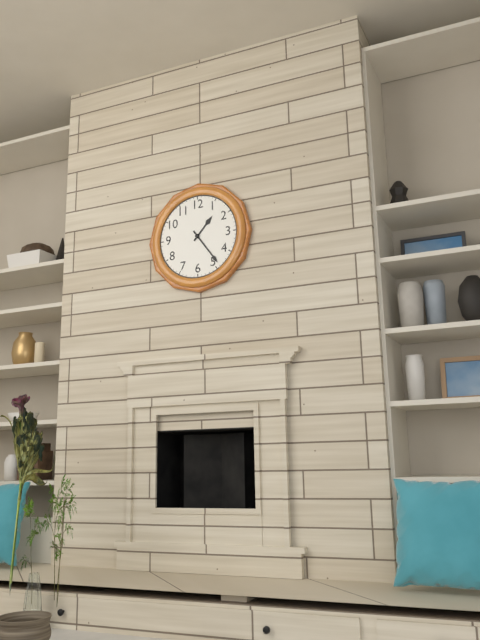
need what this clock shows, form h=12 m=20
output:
h=1 m=24
